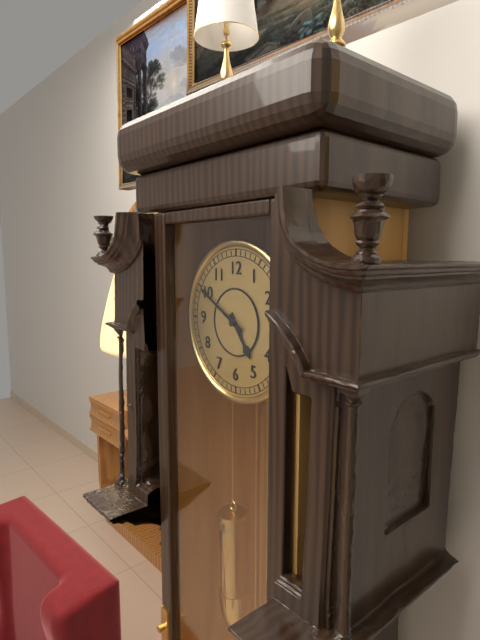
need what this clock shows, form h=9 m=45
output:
h=4 m=50
